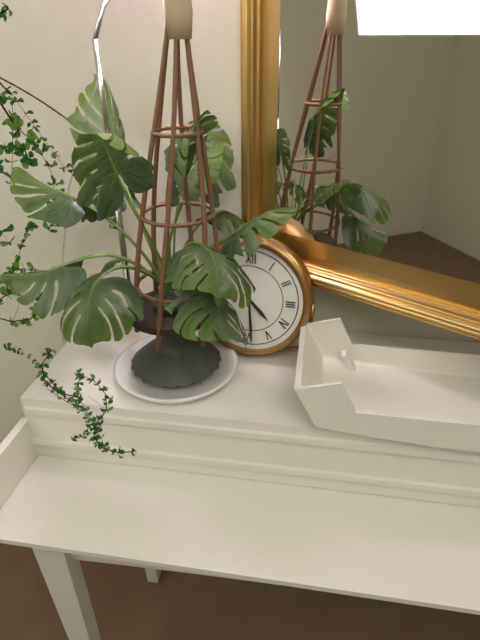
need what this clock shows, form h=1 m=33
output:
h=4 m=29
